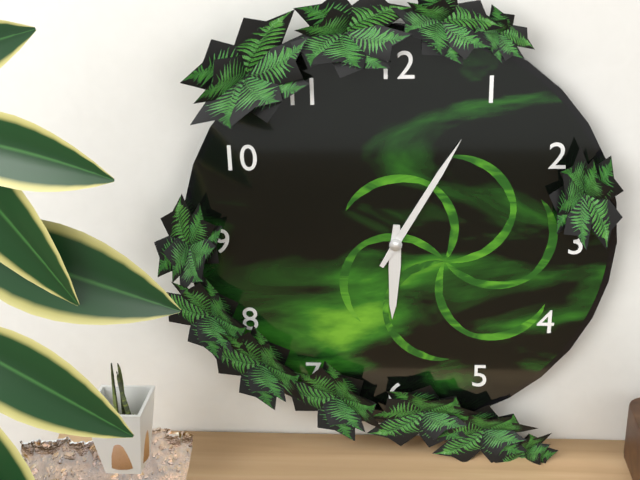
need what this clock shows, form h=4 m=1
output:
h=6 m=5
